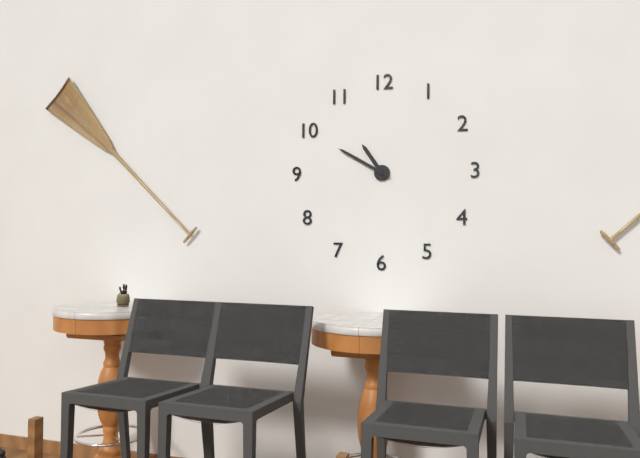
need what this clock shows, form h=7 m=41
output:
h=10 m=50
